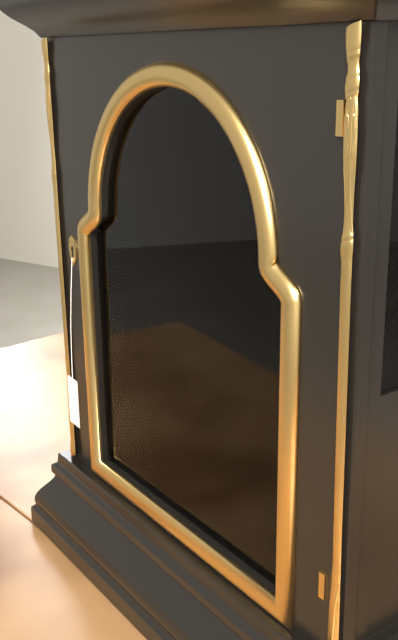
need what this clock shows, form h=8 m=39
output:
h=6 m=53
